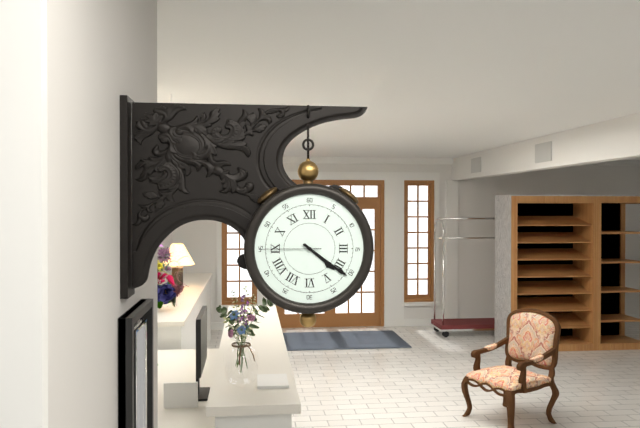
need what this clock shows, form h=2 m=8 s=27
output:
h=4 m=21 s=45
